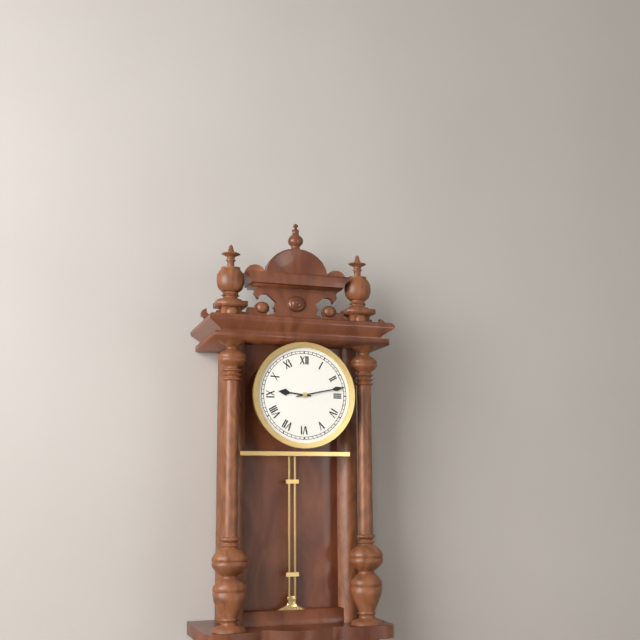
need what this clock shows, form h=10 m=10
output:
h=9 m=13
